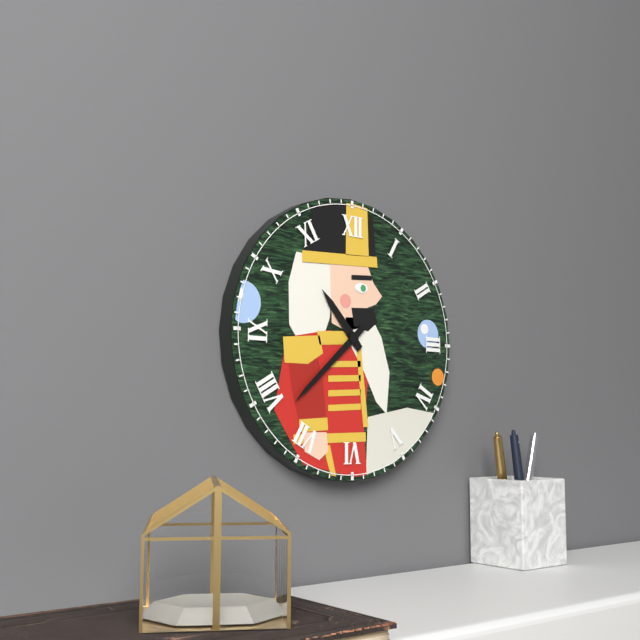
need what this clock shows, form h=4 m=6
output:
h=10 m=38
